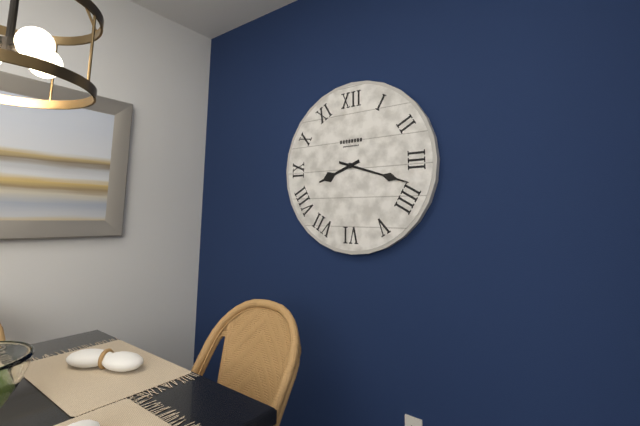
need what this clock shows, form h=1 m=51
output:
h=8 m=18
